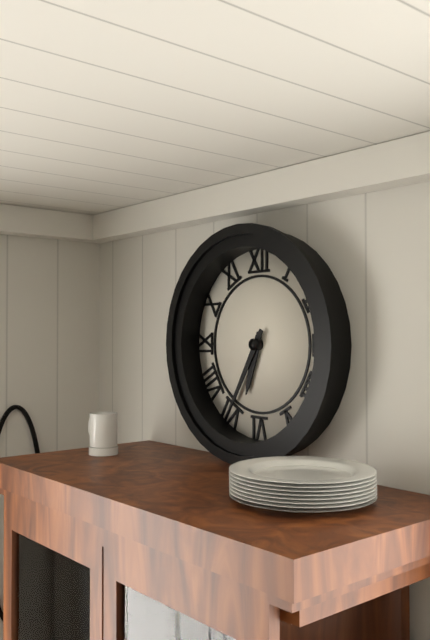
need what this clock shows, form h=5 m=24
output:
h=6 m=35
